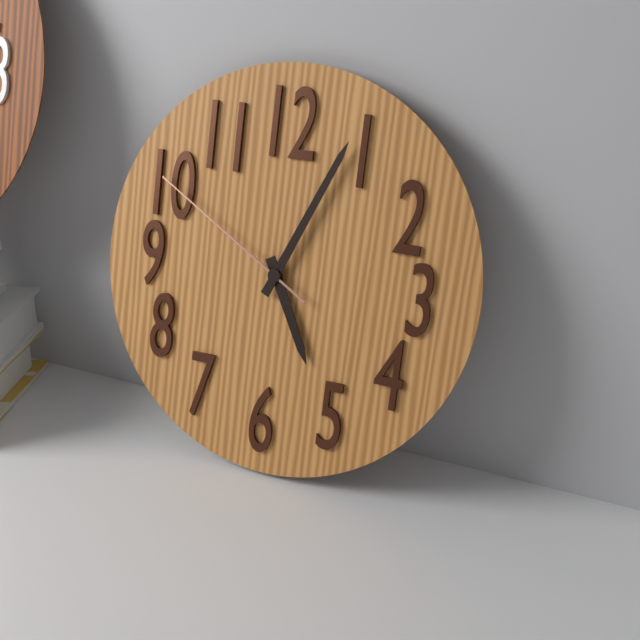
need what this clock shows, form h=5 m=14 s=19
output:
h=5 m=4 s=50
